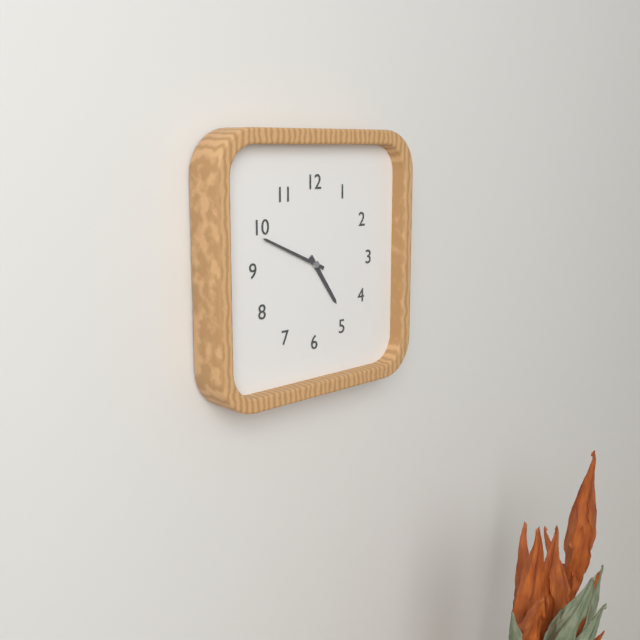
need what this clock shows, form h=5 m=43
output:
h=4 m=49
